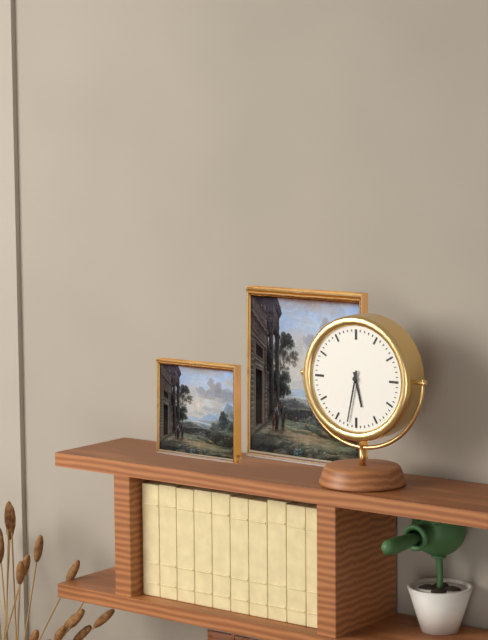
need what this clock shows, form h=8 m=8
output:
h=5 m=32
